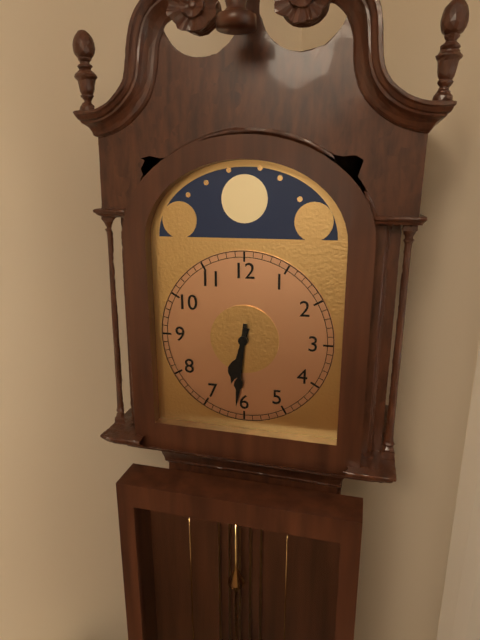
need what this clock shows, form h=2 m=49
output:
h=6 m=31
